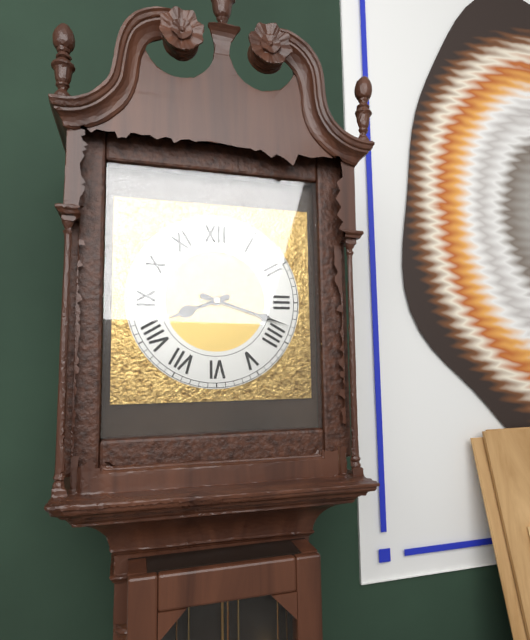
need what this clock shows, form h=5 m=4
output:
h=8 m=18
